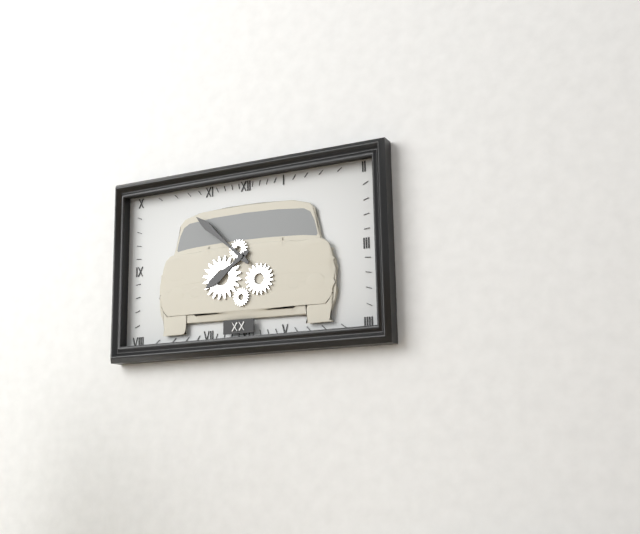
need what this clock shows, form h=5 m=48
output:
h=7 m=52
